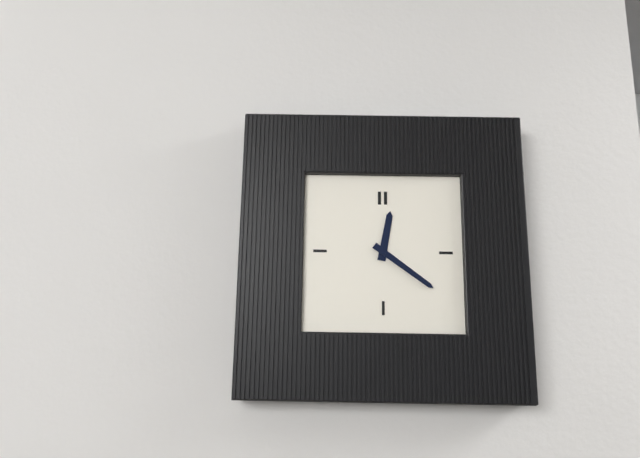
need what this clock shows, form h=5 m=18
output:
h=12 m=21
